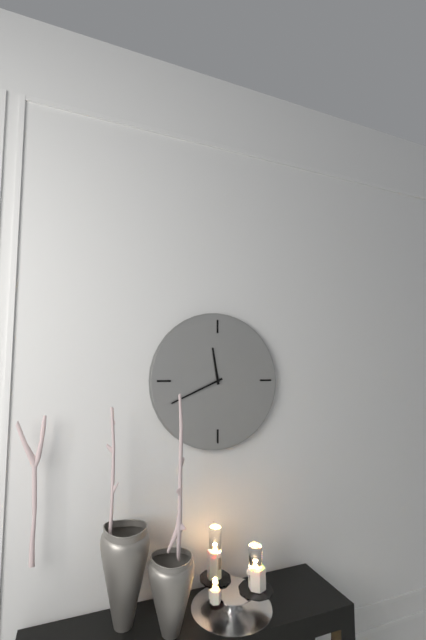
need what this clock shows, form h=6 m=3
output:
h=11 m=41
